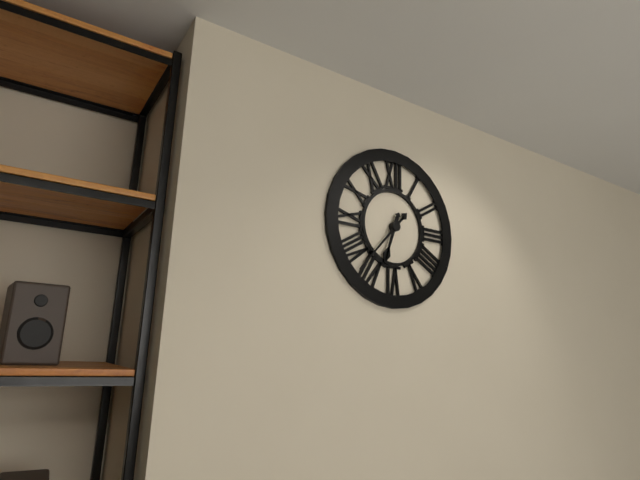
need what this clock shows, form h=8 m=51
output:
h=6 m=37
